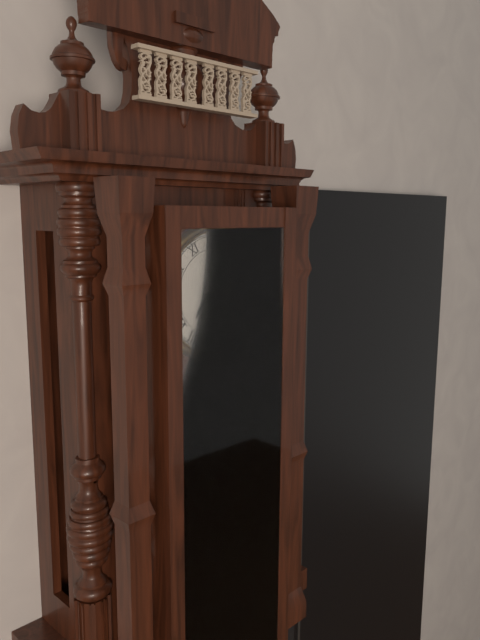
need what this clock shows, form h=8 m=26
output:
h=7 m=31
